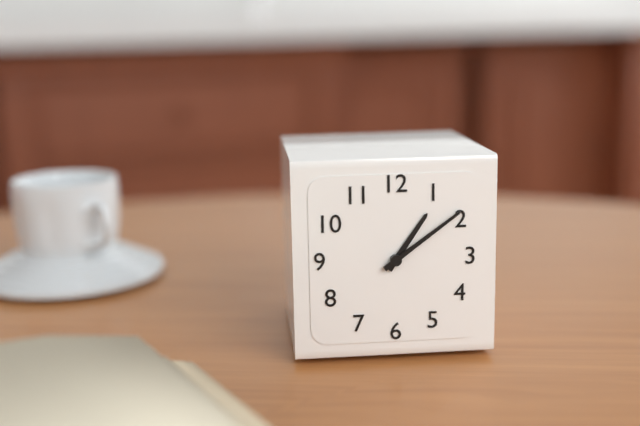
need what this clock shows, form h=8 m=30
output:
h=1 m=9
